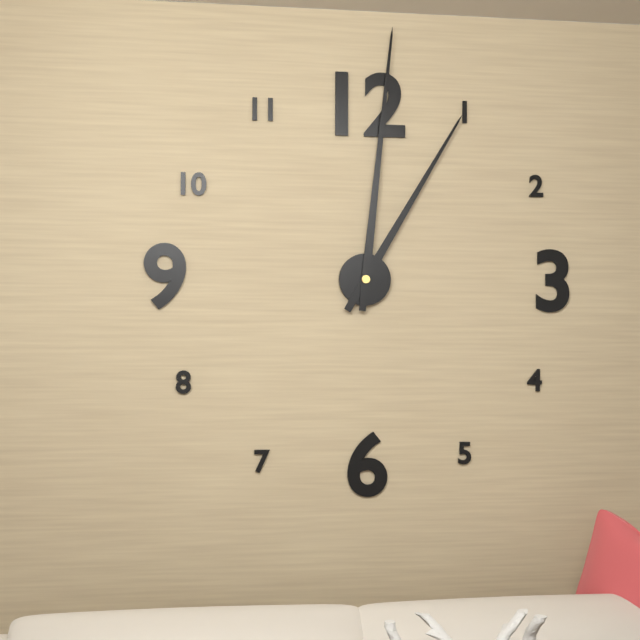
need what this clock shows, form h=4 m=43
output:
h=1 m=1
